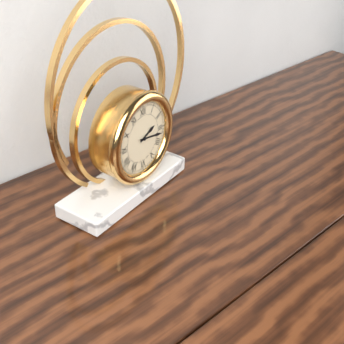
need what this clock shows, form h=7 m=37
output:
h=2 m=17
